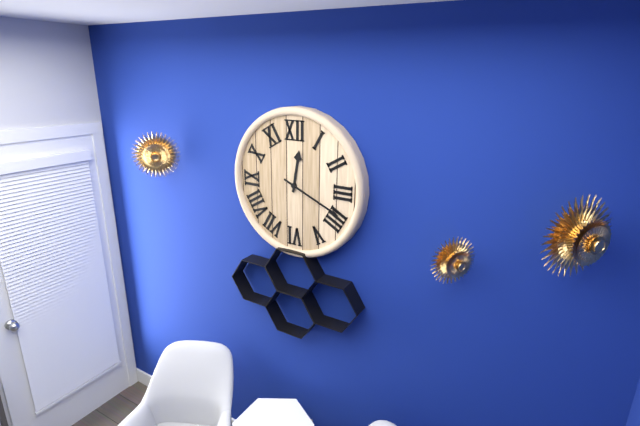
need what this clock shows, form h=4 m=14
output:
h=12 m=19
